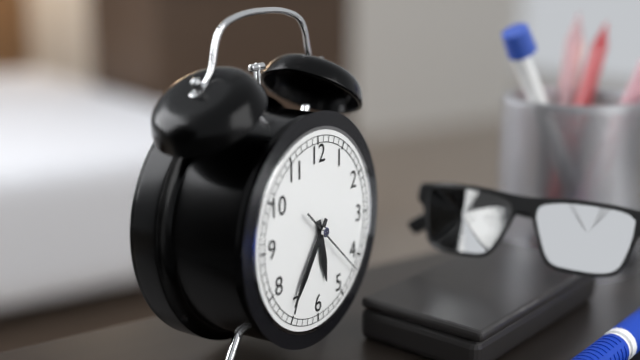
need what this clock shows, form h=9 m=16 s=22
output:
h=5 m=36 s=22
